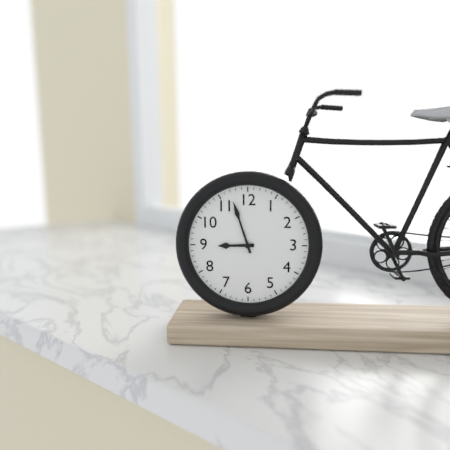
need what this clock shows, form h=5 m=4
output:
h=8 m=57
